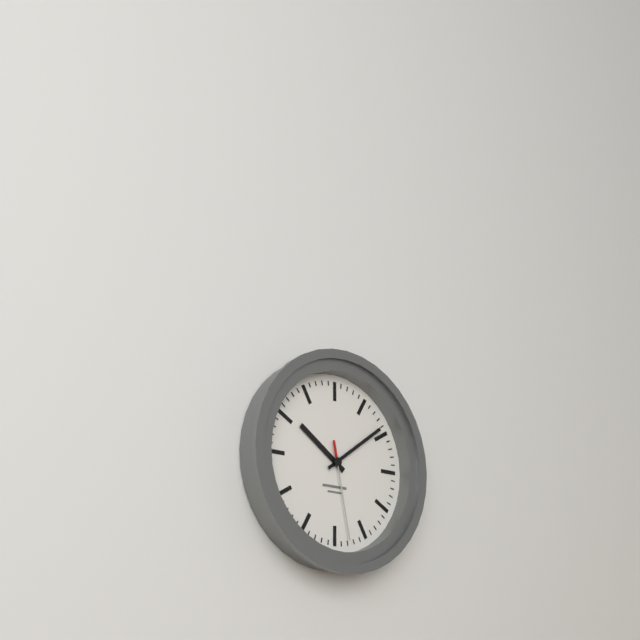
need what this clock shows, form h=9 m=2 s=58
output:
h=10 m=9 s=28
